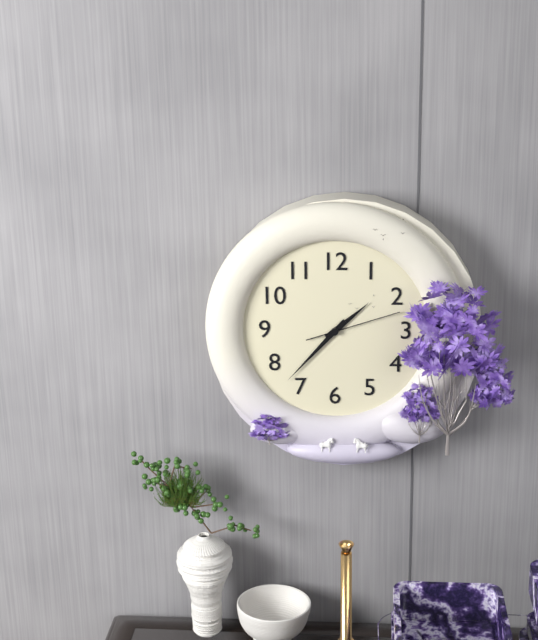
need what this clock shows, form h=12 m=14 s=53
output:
h=1 m=37 s=12
